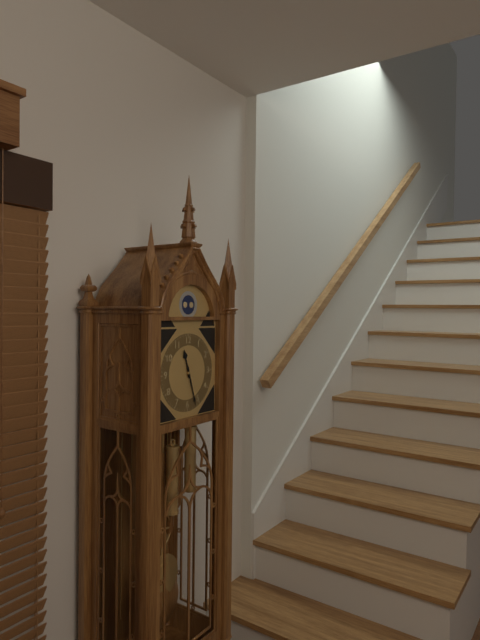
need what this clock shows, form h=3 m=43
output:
h=11 m=27
